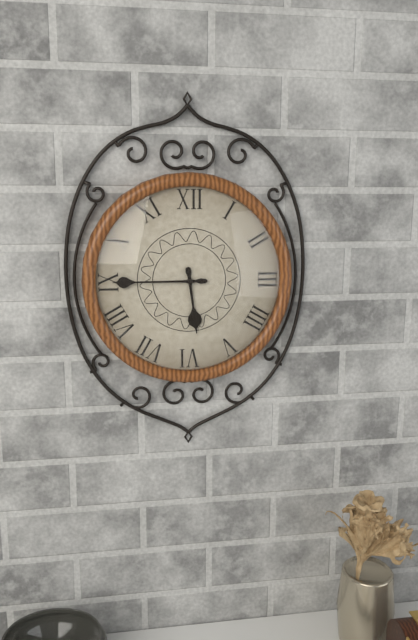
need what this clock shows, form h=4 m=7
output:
h=5 m=45
